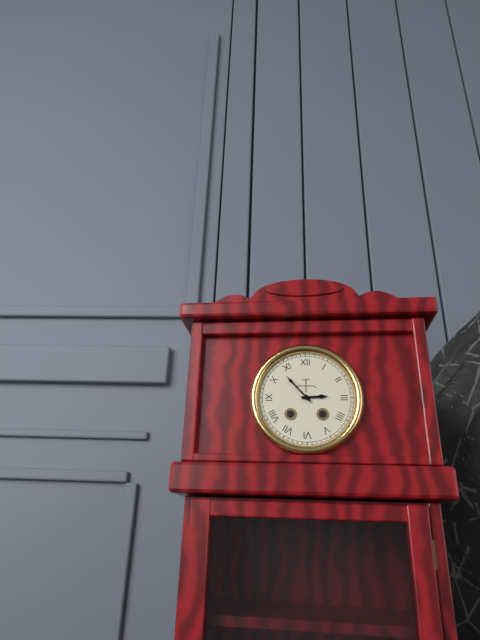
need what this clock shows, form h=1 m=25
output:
h=2 m=53
